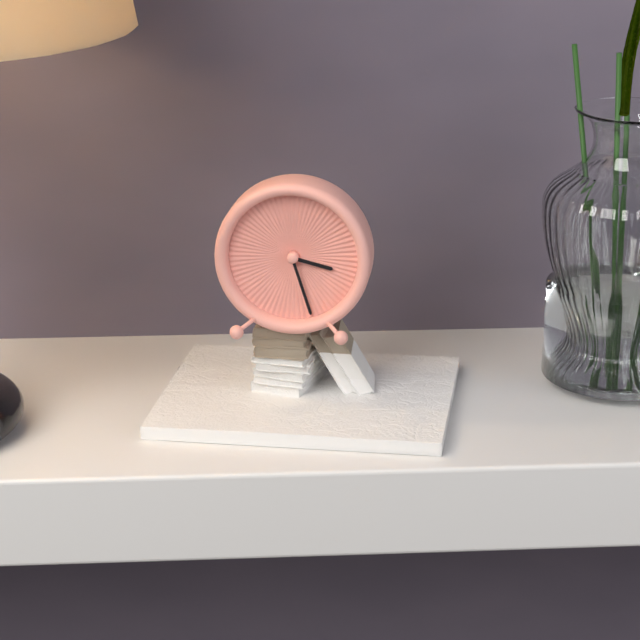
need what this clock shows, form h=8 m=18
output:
h=3 m=27
